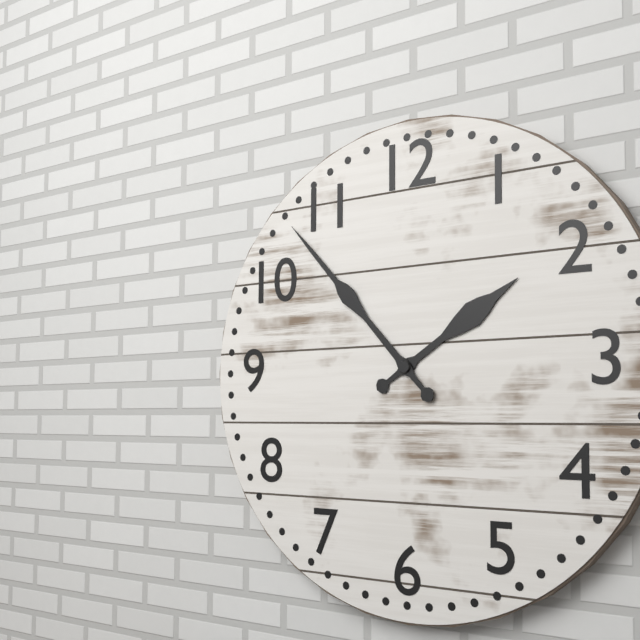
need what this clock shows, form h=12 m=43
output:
h=1 m=53
